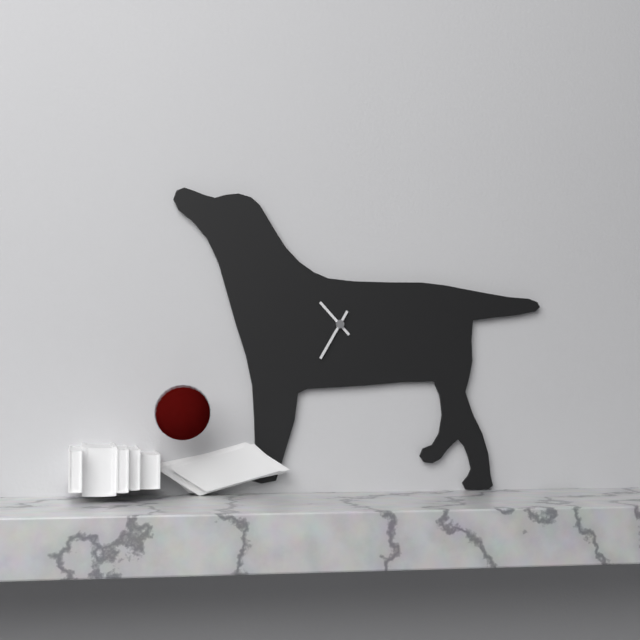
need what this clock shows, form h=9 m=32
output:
h=10 m=35
